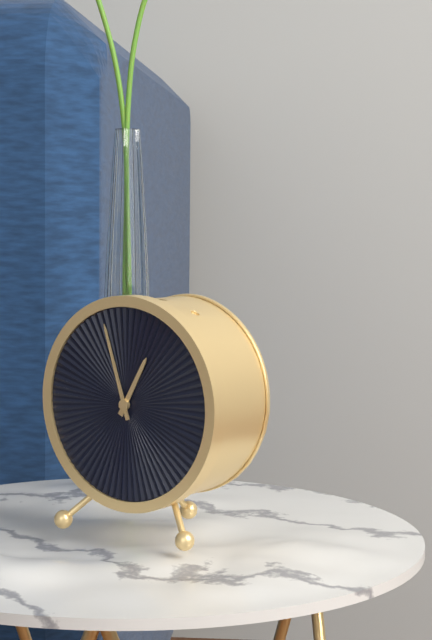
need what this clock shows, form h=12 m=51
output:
h=12 m=57
